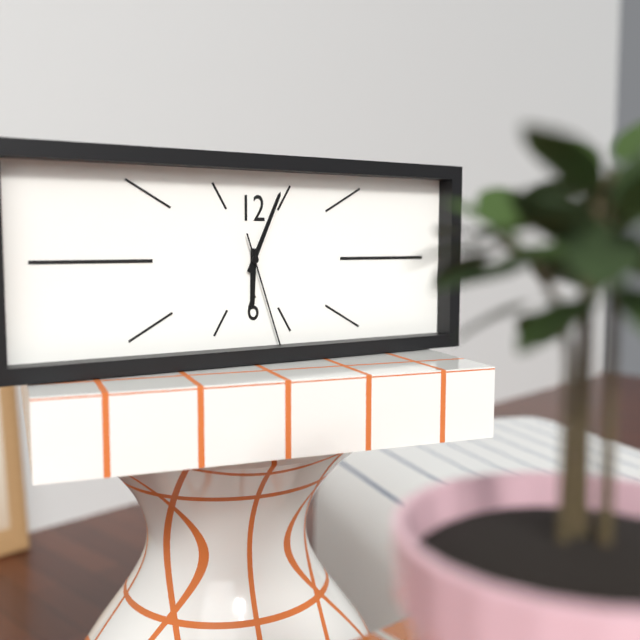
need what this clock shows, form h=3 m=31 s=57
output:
h=6 m=4 s=27
